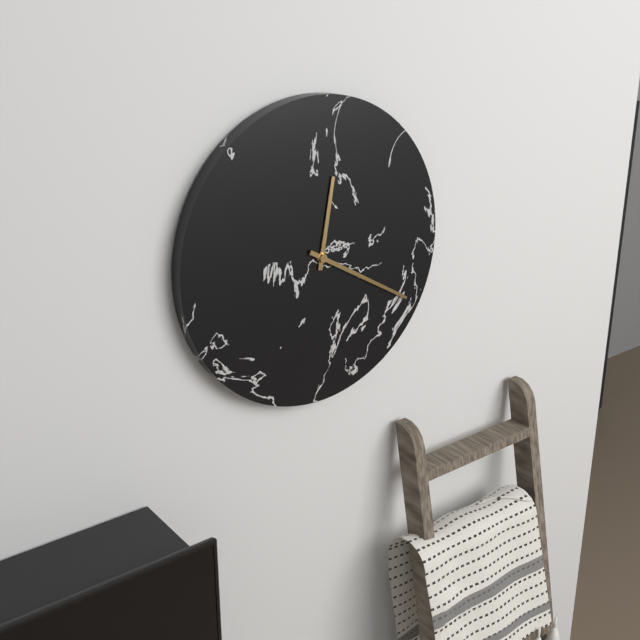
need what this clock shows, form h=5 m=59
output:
h=12 m=20
